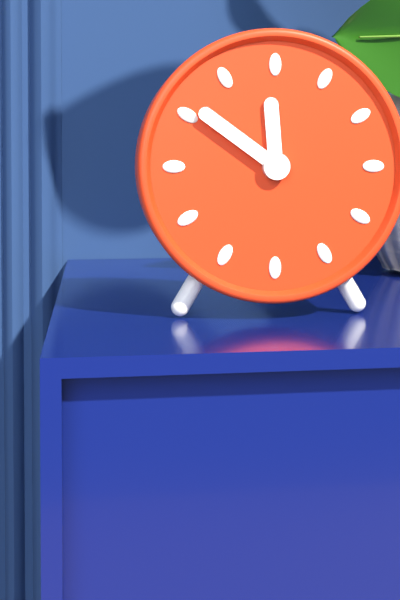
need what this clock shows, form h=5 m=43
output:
h=11 m=51
